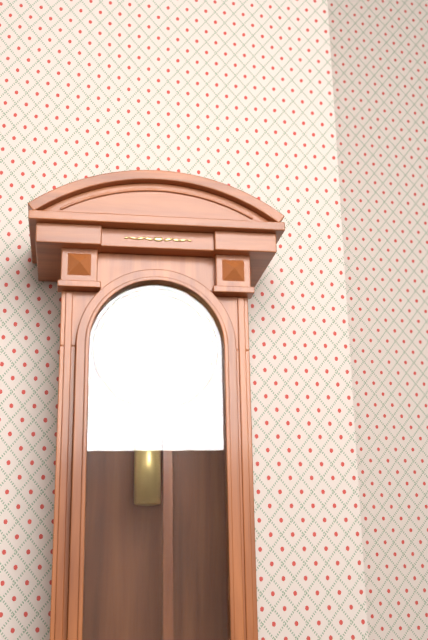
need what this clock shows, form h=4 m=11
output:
h=12 m=16
